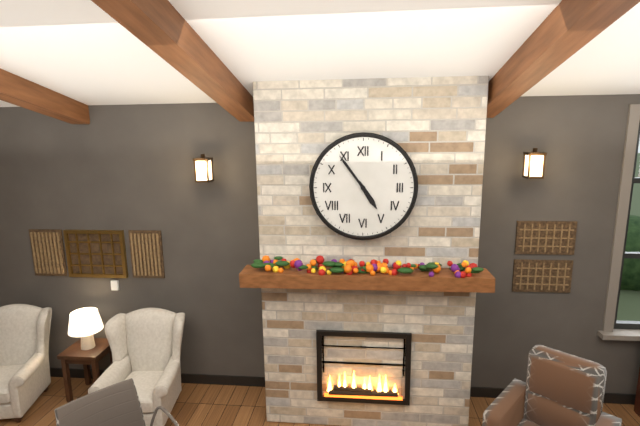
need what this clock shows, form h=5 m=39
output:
h=4 m=54
